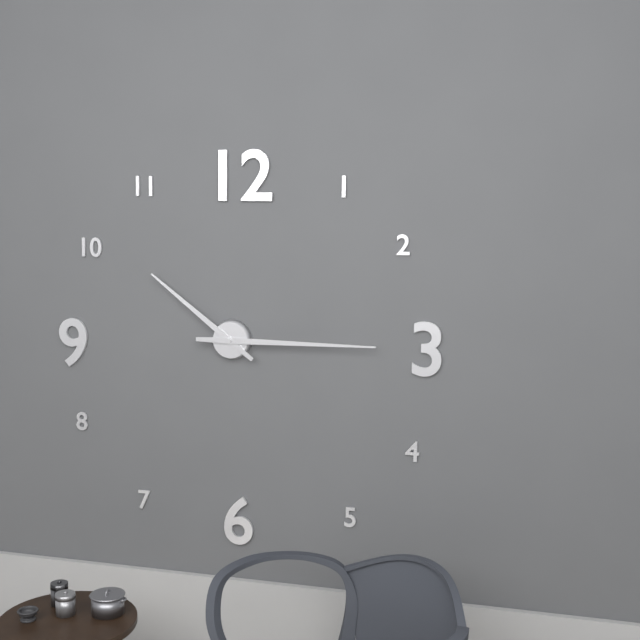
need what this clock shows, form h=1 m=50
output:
h=10 m=15
